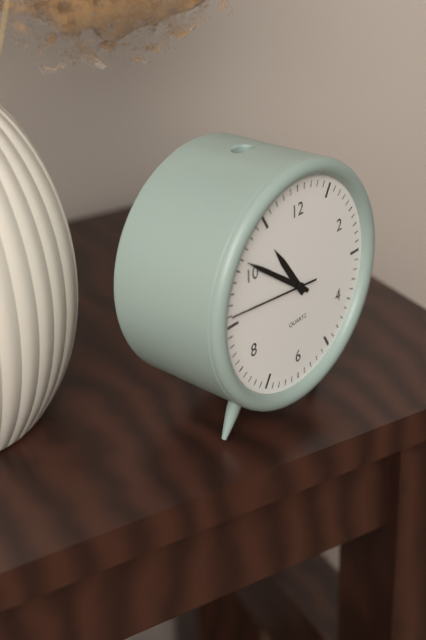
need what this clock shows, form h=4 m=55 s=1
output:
h=10 m=51 s=46
